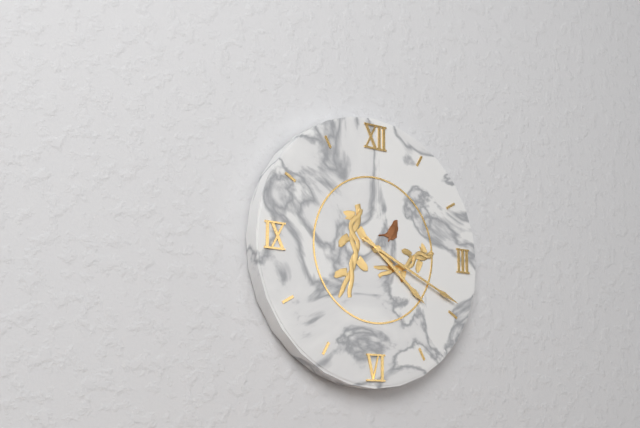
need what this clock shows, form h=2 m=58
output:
h=4 m=19
